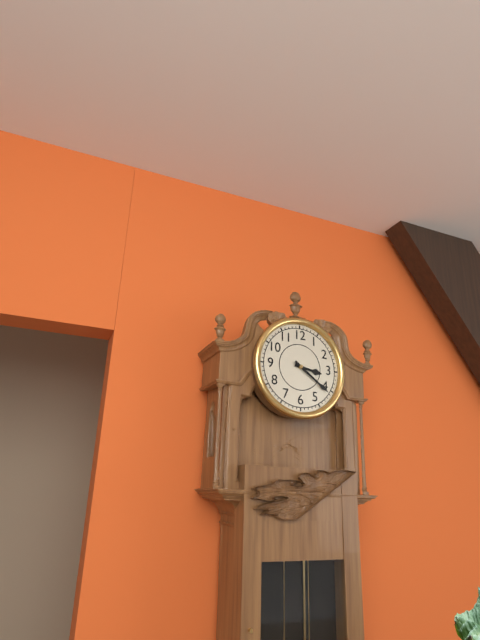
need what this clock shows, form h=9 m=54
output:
h=3 m=21
